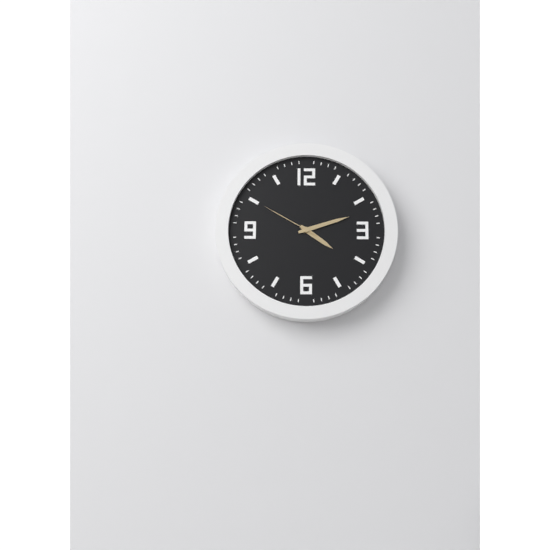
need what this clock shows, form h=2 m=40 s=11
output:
h=4 m=12 s=50
